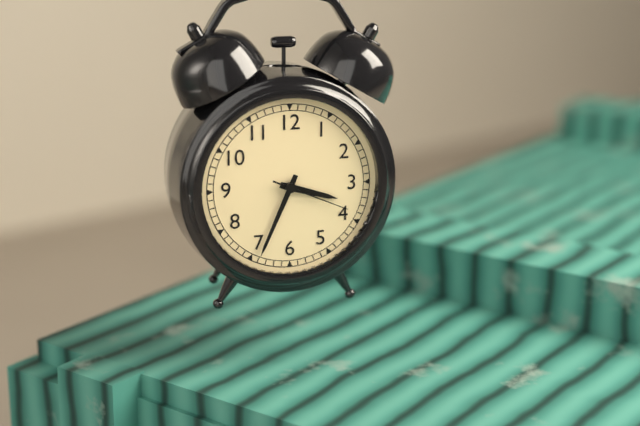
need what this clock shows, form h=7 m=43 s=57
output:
h=3 m=34 s=19
